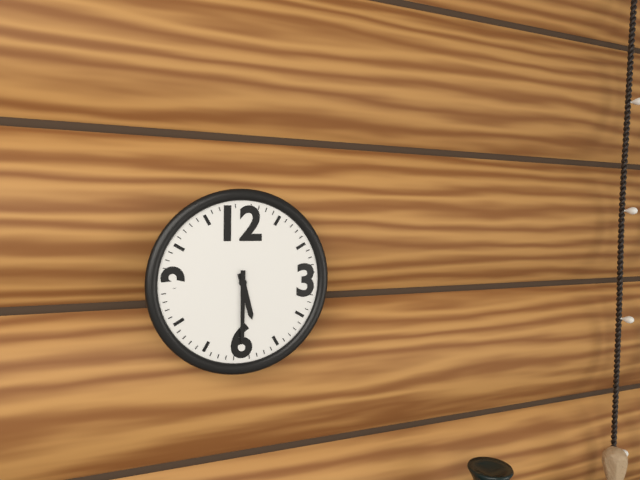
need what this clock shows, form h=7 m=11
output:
h=5 m=30
